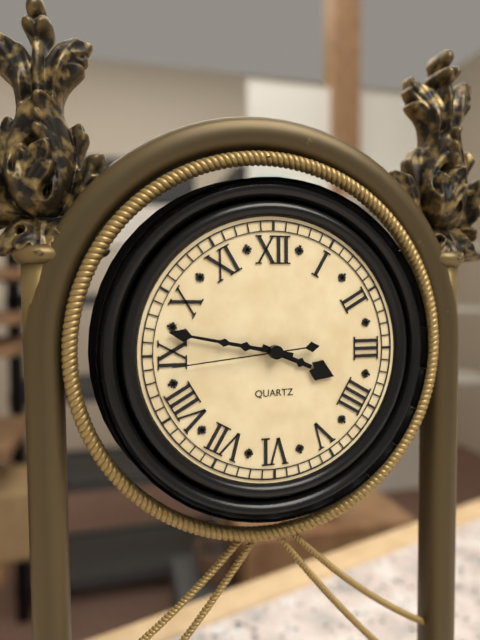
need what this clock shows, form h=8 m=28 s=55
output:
h=3 m=47 s=44
